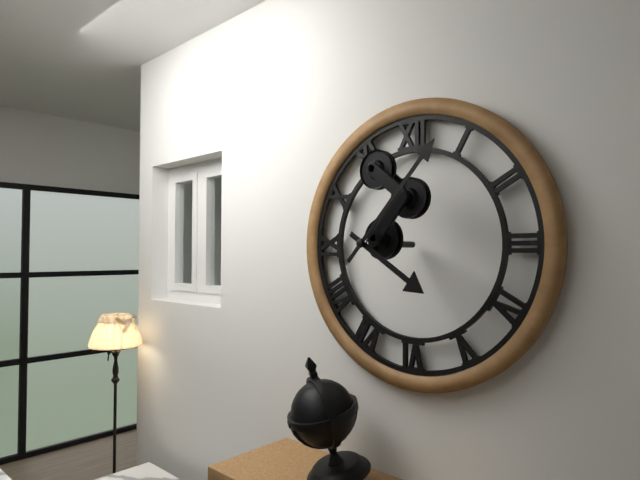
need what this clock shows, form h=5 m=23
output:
h=4 m=7
